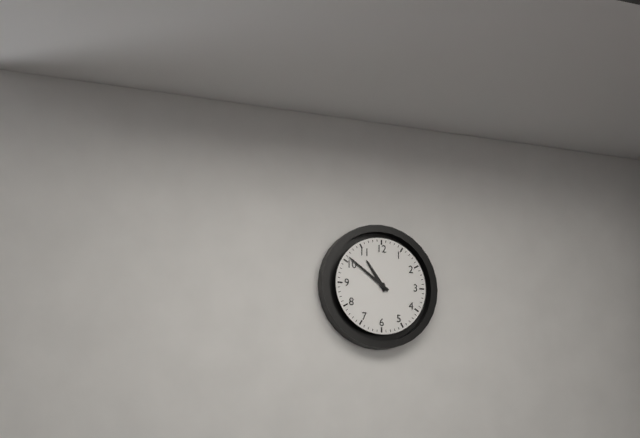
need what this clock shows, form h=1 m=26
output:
h=10 m=51
